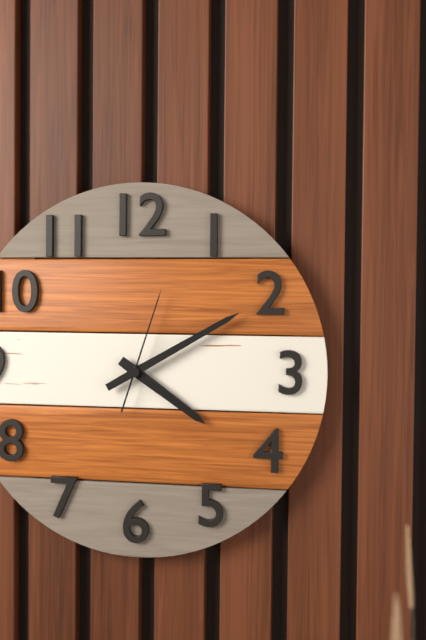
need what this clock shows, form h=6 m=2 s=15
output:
h=4 m=10 s=3
